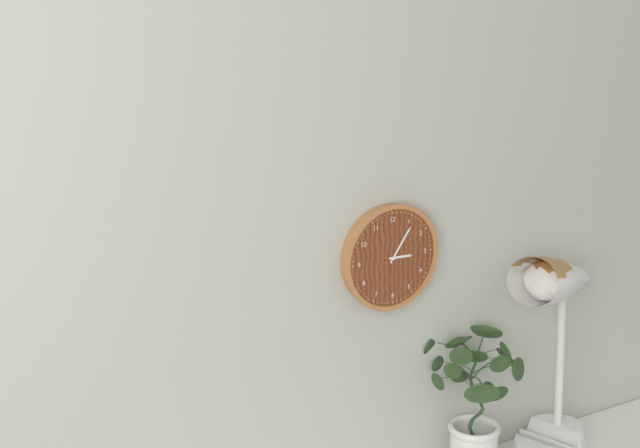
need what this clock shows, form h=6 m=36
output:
h=3 m=6
